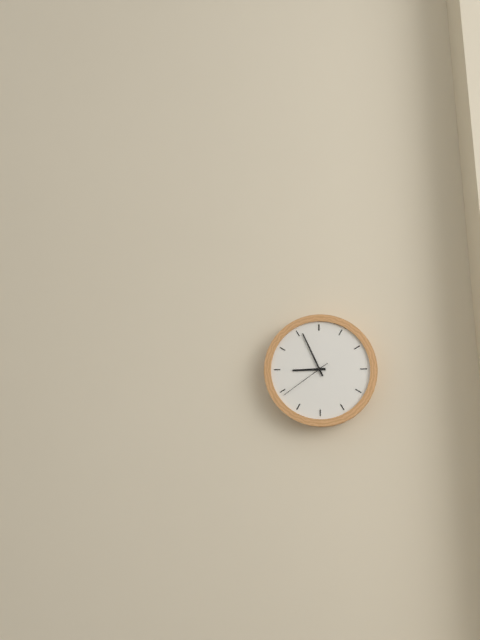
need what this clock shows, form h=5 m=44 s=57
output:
h=8 m=56 s=39
